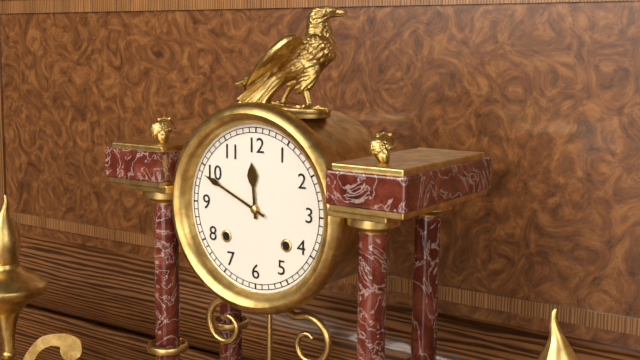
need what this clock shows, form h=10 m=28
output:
h=11 m=49
